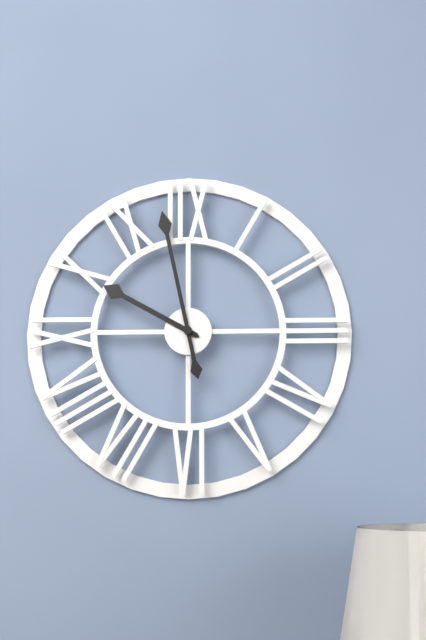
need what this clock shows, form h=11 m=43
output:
h=9 m=58
